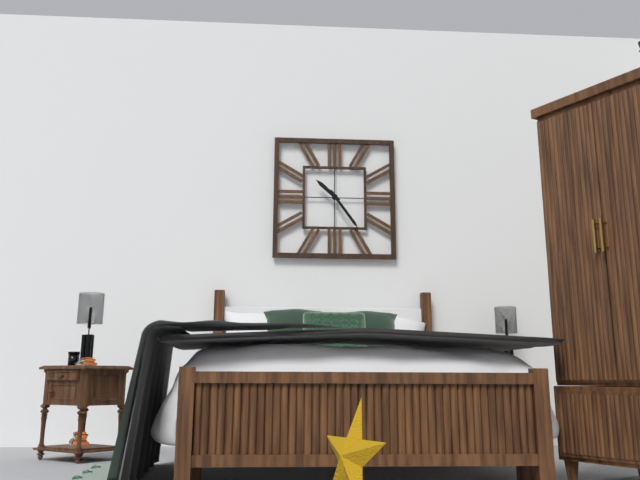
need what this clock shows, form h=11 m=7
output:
h=10 m=24
